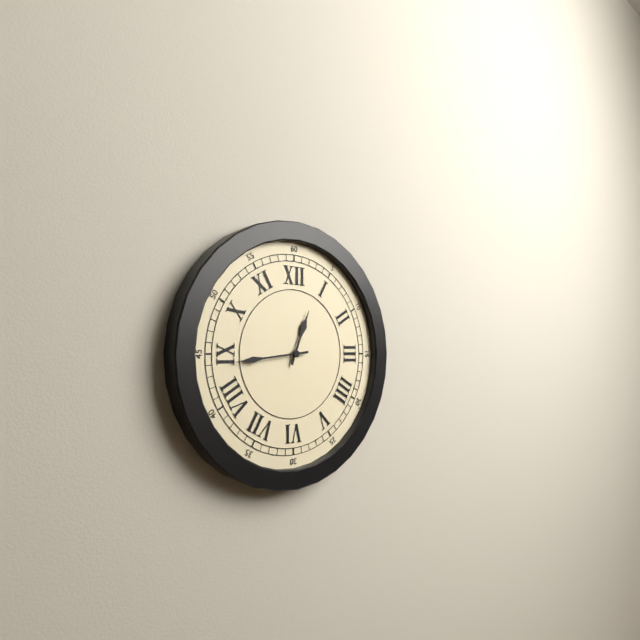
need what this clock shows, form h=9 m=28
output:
h=12 m=44
